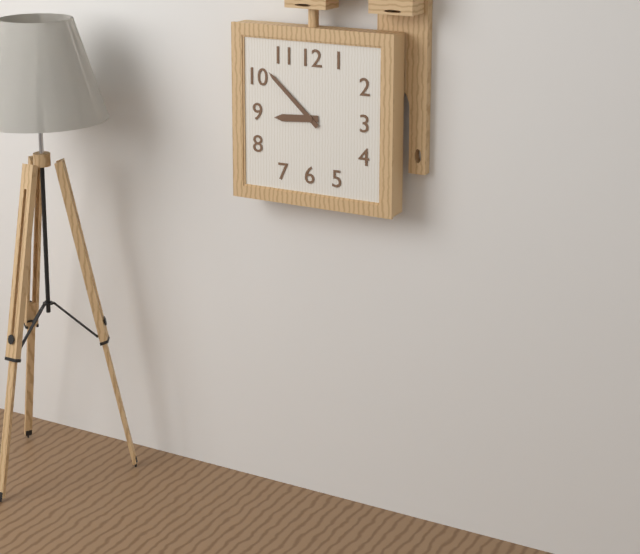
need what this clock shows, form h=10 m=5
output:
h=8 m=52
